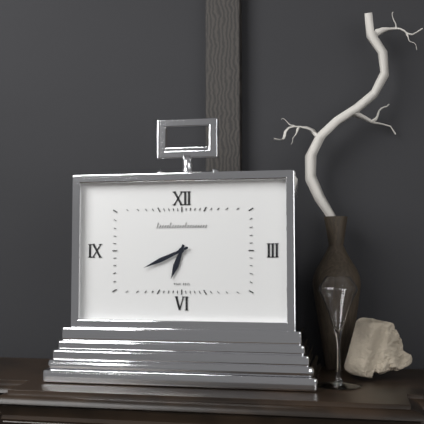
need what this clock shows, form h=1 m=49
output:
h=6 m=41
